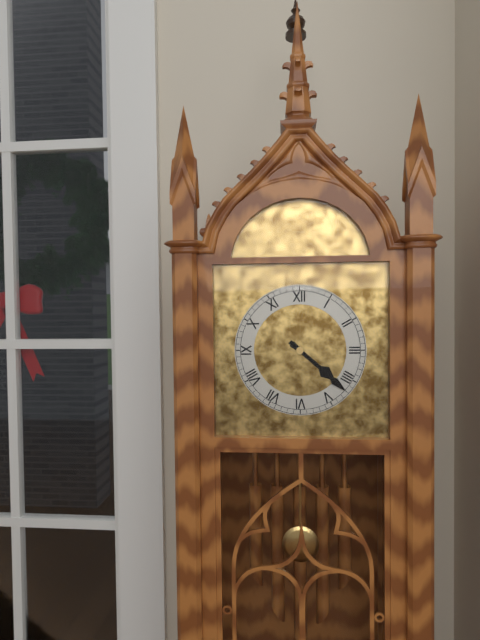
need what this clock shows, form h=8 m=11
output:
h=4 m=22
